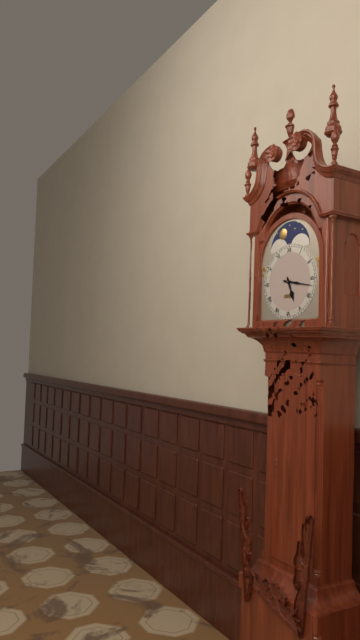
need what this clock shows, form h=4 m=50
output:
h=5 m=17
